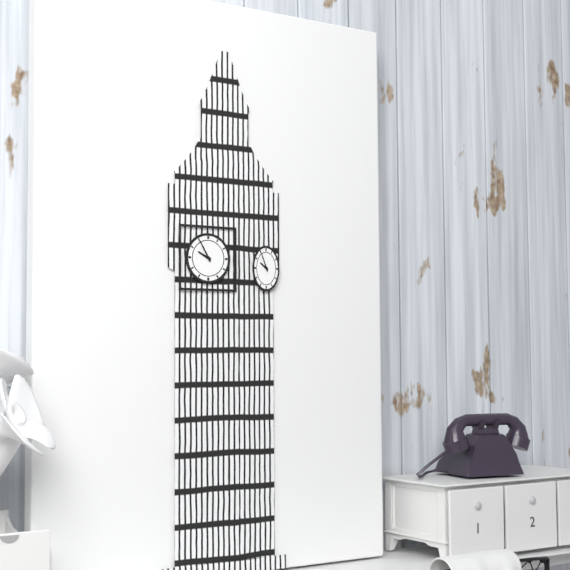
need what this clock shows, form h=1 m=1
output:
h=9 m=55
